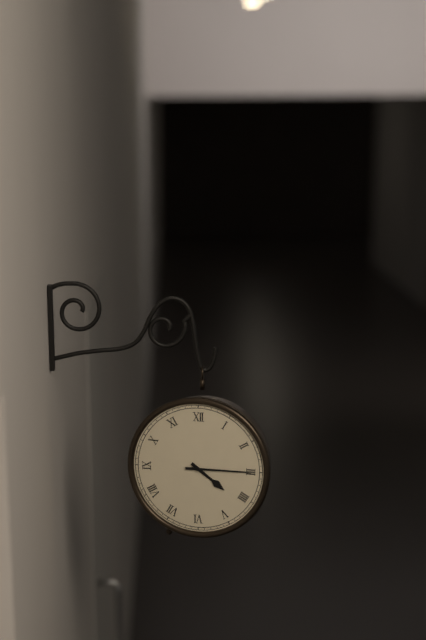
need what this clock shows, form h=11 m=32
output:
h=4 m=15
